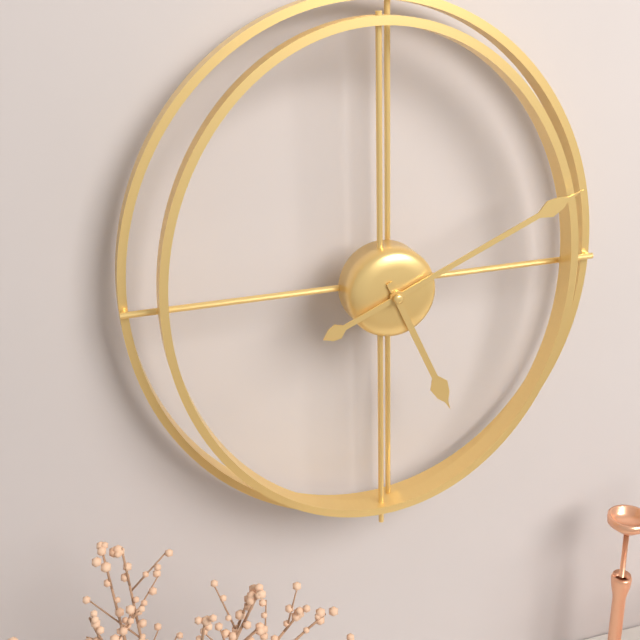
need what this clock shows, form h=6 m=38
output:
h=5 m=11
